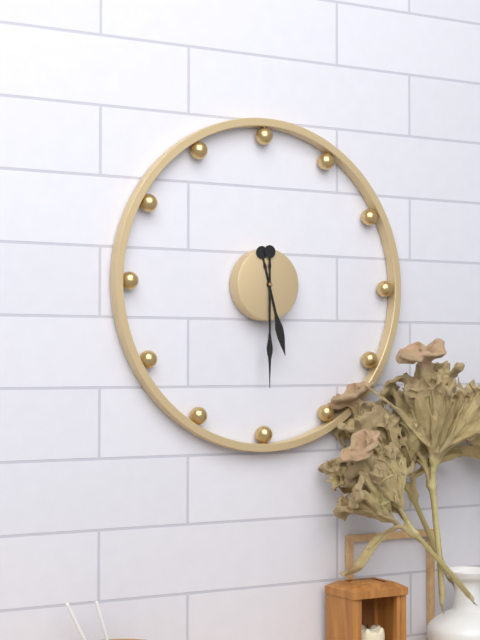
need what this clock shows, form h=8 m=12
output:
h=5 m=30
